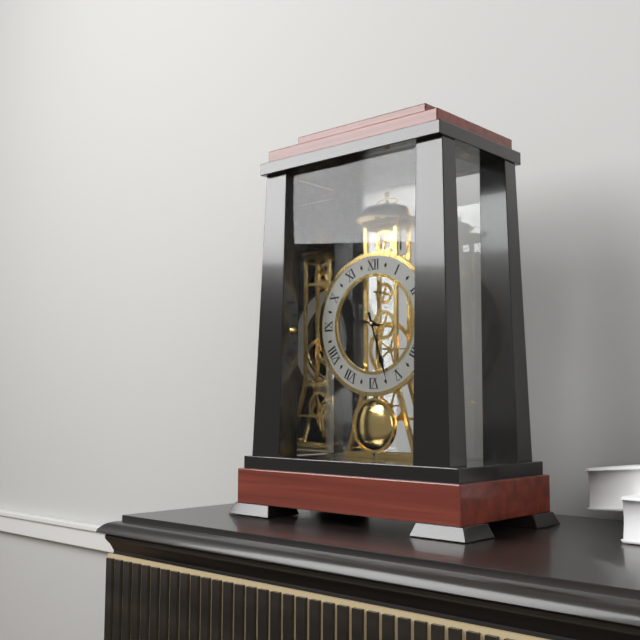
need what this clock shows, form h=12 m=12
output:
h=9 m=27
